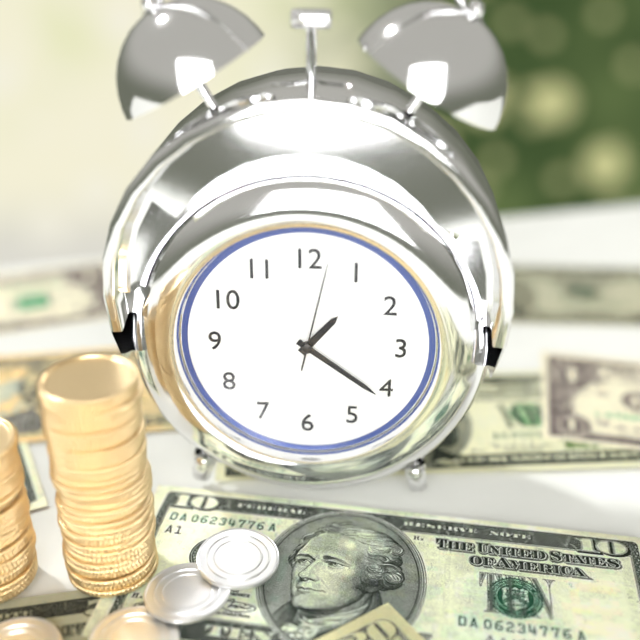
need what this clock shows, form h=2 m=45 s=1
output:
h=1 m=21 s=2
